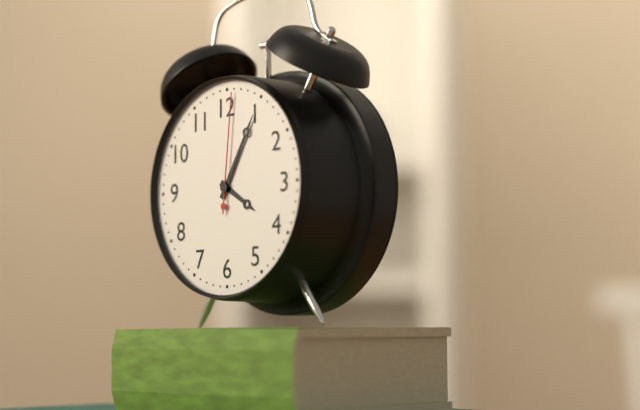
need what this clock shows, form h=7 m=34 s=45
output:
h=4 m=5 s=1
